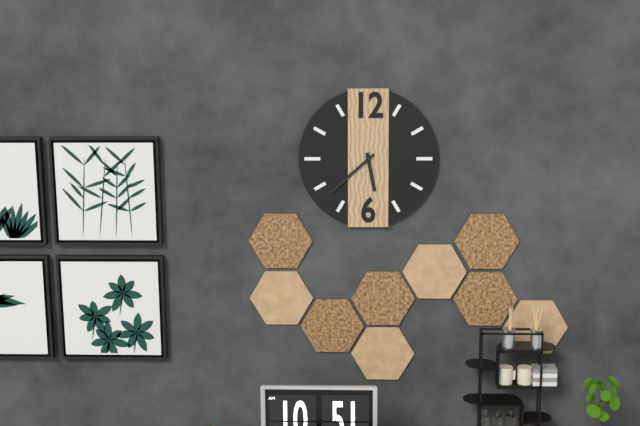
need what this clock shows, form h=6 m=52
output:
h=5 m=38
